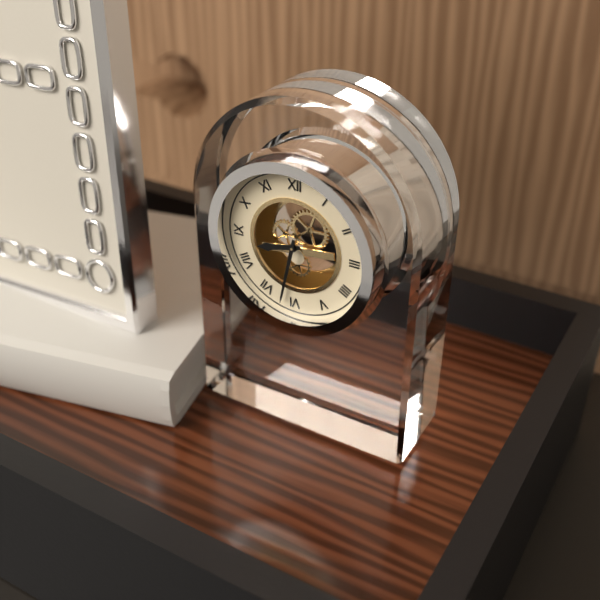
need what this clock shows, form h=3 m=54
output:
h=8 m=32
